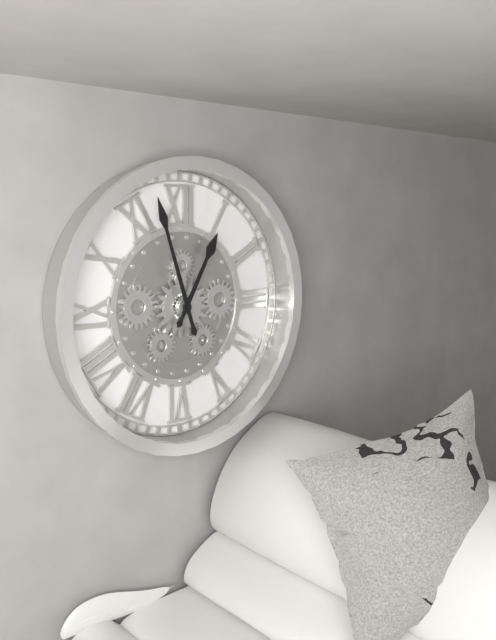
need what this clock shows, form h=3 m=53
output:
h=12 m=57
